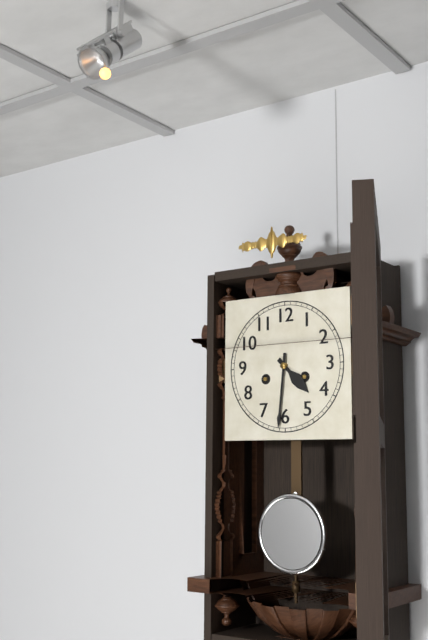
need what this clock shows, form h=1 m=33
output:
h=4 m=31
